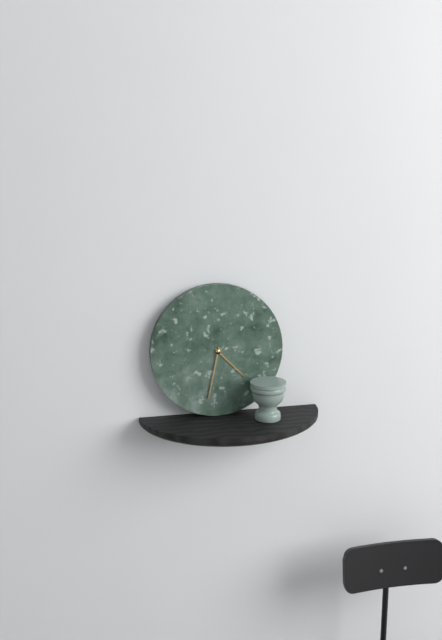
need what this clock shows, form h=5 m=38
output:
h=4 m=32
